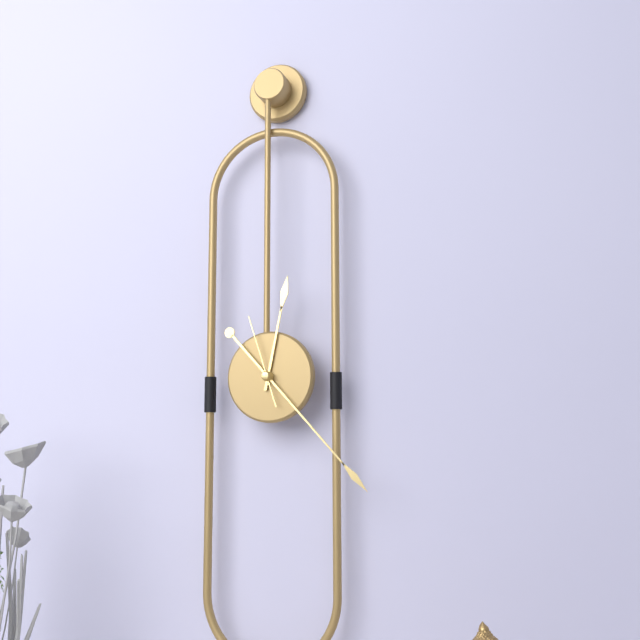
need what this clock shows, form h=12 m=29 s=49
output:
h=12 m=23 s=57
